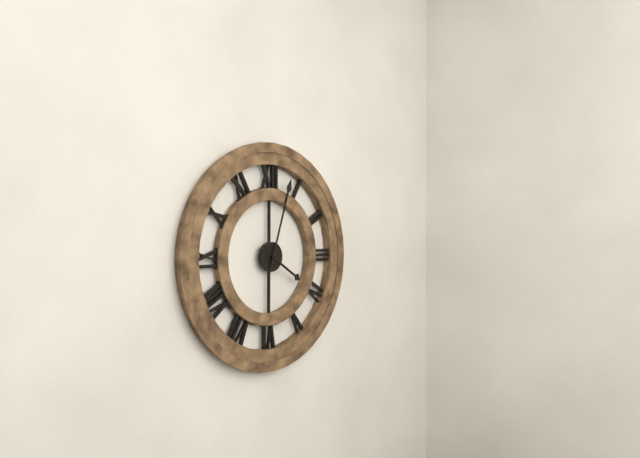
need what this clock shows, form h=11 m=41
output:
h=4 m=3
